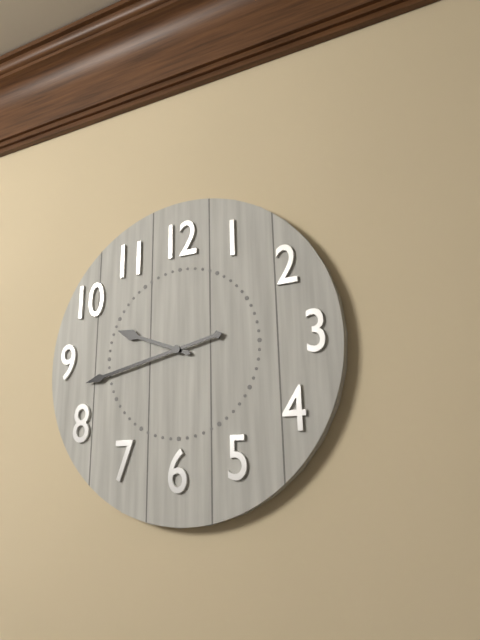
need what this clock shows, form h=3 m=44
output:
h=9 m=43
